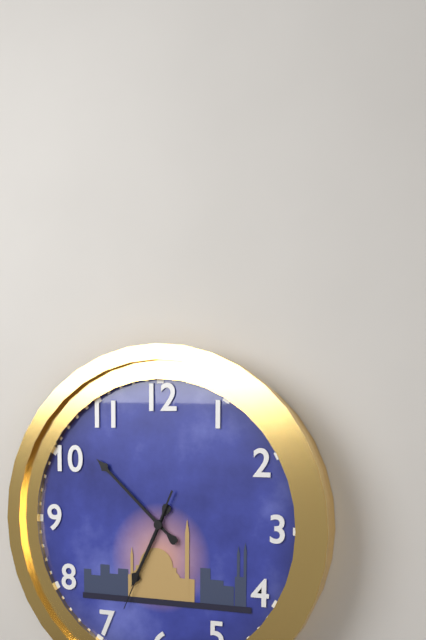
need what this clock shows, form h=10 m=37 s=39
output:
h=6 m=52 s=34
